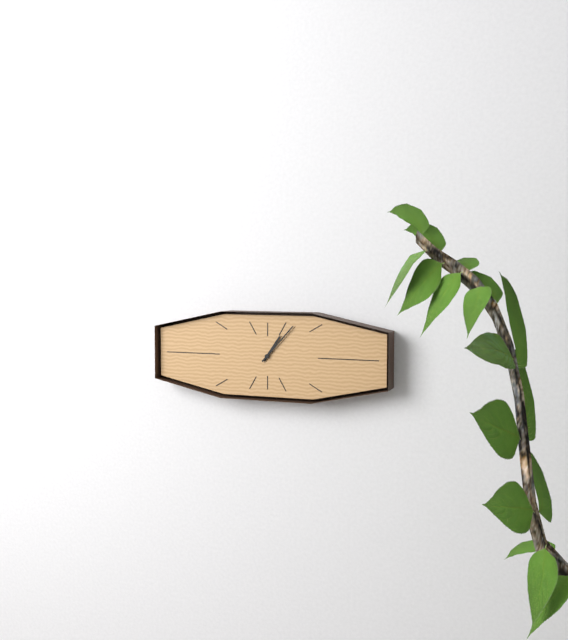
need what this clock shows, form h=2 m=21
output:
h=1 m=7
